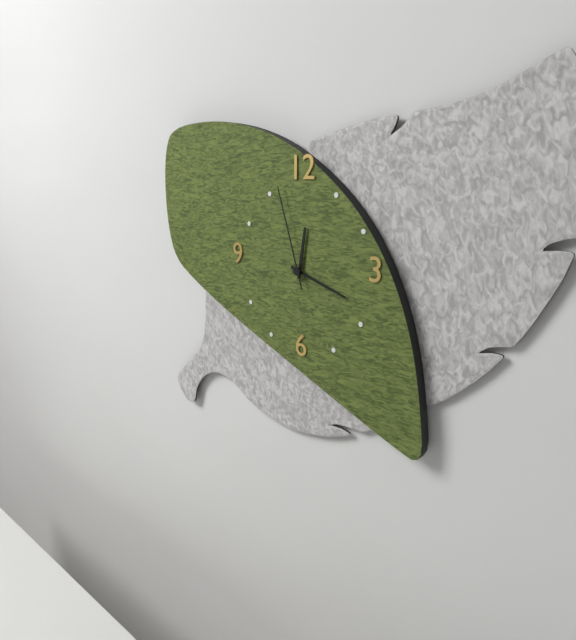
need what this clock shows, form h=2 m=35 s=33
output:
h=12 m=18 s=57
